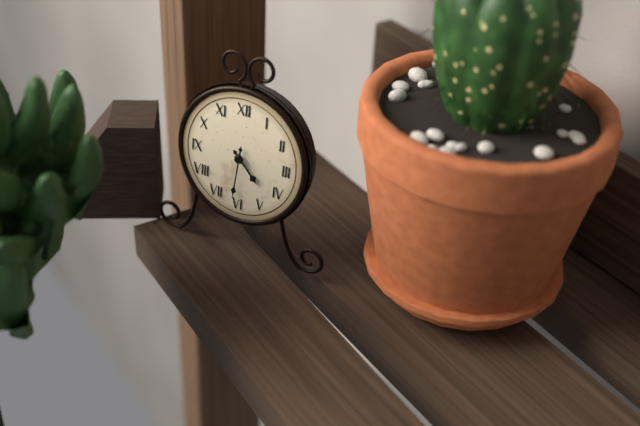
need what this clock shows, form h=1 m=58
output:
h=4 m=31
